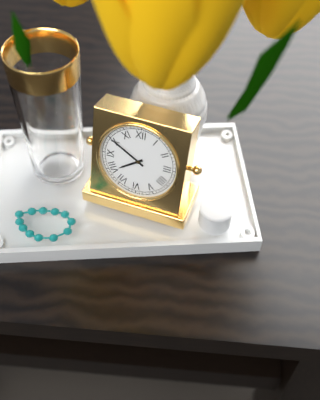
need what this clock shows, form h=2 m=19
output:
h=7 m=50
